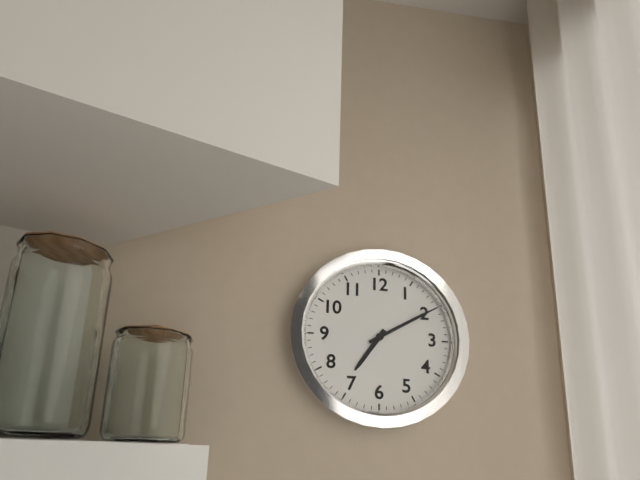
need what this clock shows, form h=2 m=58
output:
h=7 m=10
